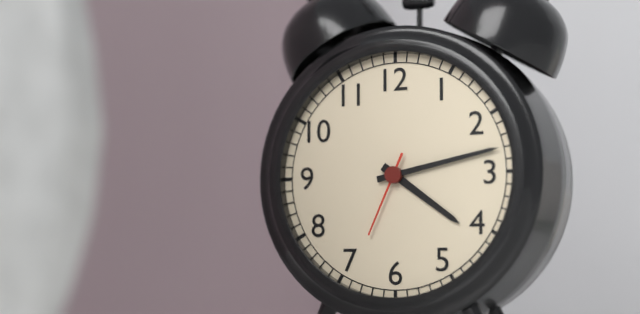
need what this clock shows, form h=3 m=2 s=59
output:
h=4 m=13 s=34
